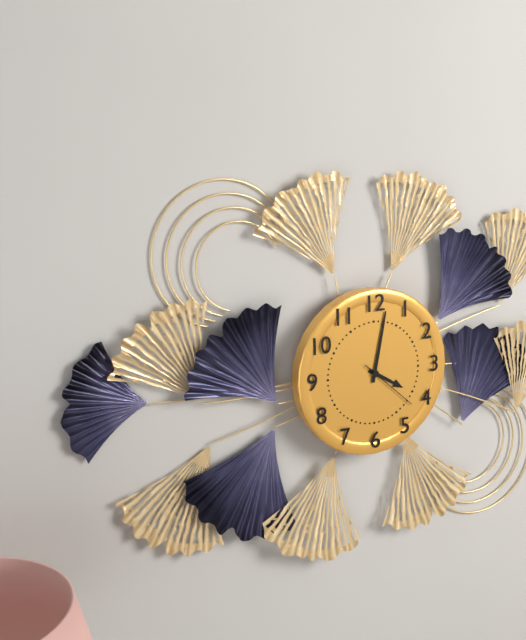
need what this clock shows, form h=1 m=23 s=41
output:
h=4 m=2 s=22
